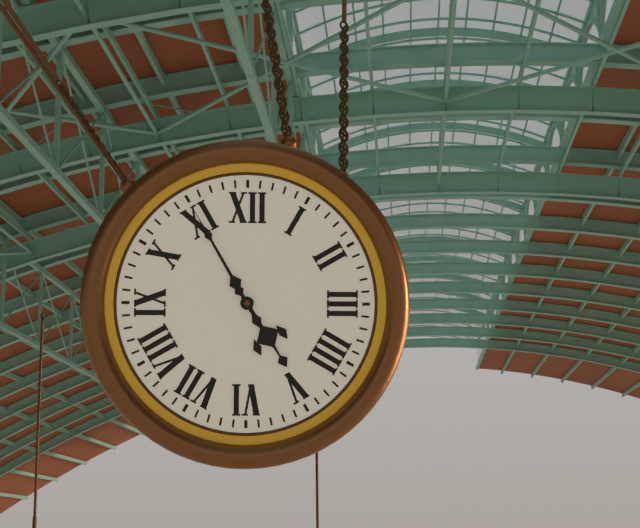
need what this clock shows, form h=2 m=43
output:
h=4 m=55
